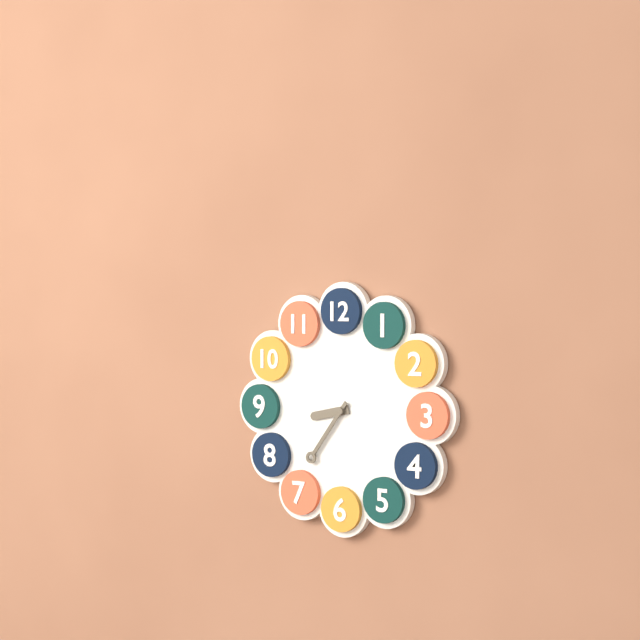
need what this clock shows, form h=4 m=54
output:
h=8 m=36
